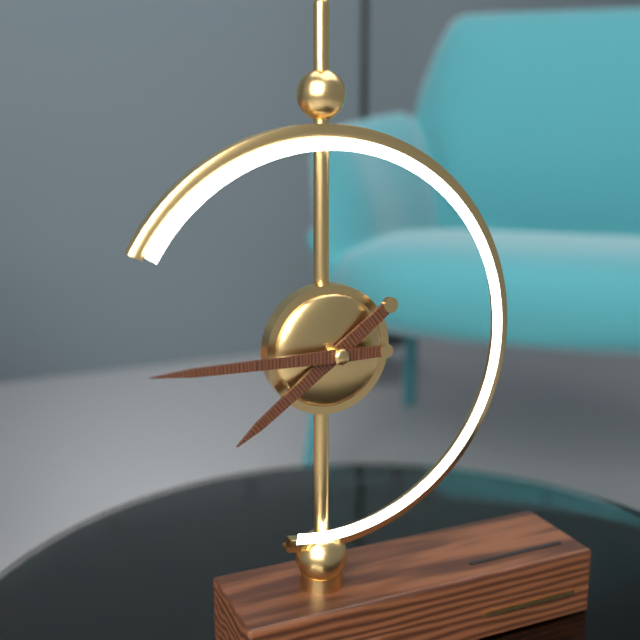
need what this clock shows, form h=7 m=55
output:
h=7 m=45
